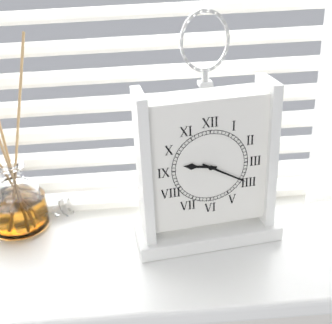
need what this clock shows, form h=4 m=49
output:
h=9 m=20
